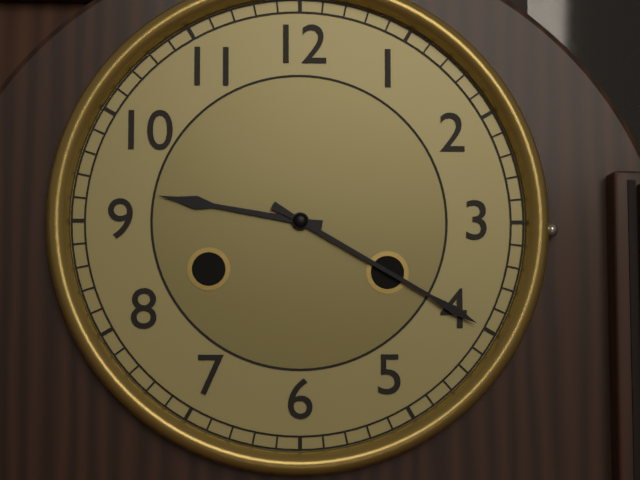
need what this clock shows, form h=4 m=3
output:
h=9 m=20
